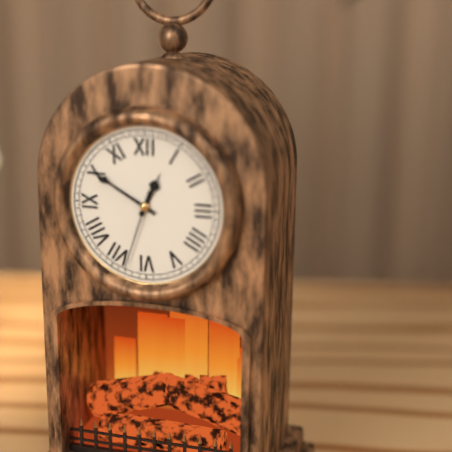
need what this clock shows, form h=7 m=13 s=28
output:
h=12 m=50 s=33
